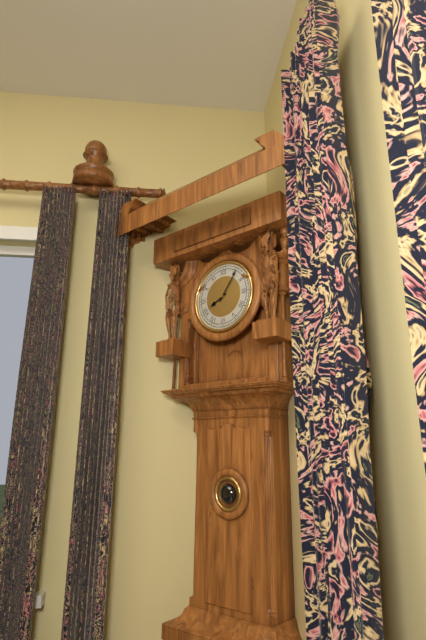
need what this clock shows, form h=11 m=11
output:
h=8 m=6
